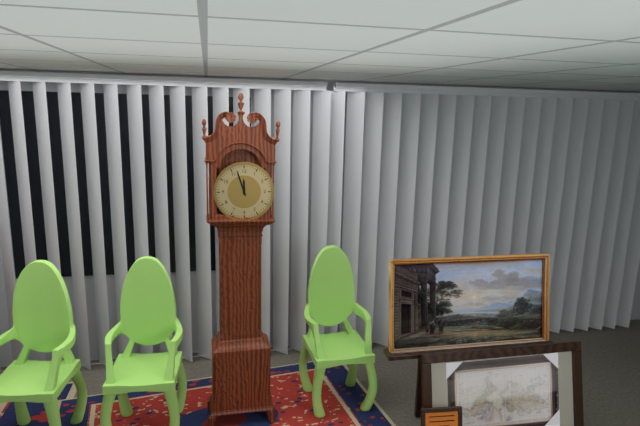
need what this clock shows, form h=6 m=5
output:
h=11 m=57
